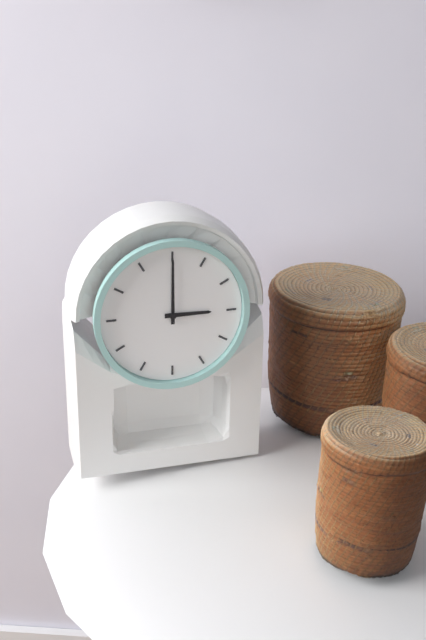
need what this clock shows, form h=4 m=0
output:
h=3 m=0
